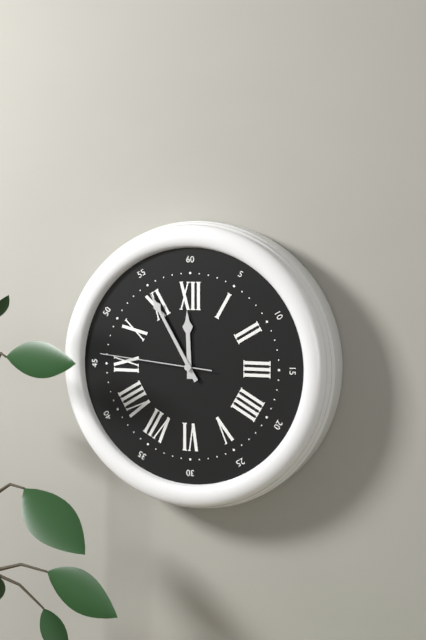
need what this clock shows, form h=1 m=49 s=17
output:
h=11 m=55 s=46
